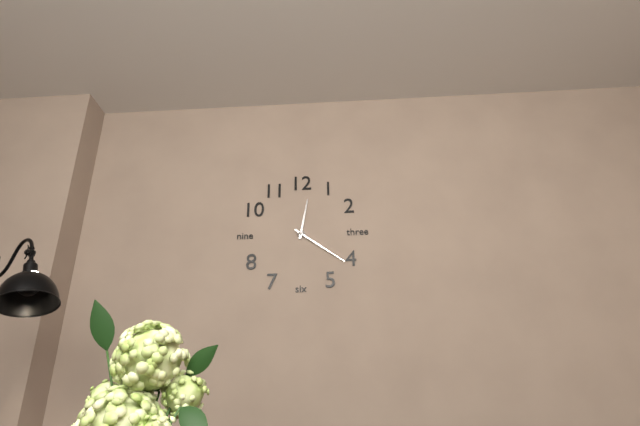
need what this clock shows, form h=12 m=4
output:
h=12 m=21
